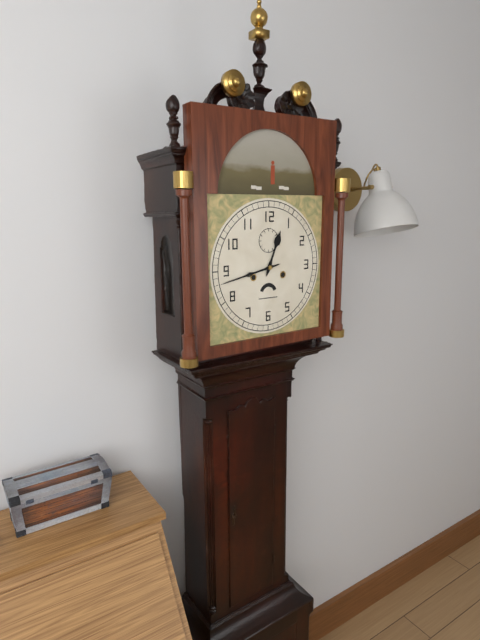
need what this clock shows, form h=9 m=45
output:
h=12 m=43
